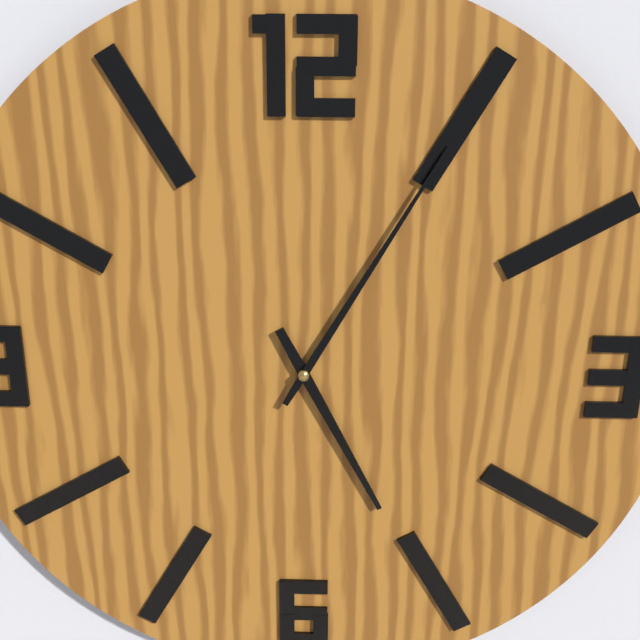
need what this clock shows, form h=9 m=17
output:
h=5 m=5
